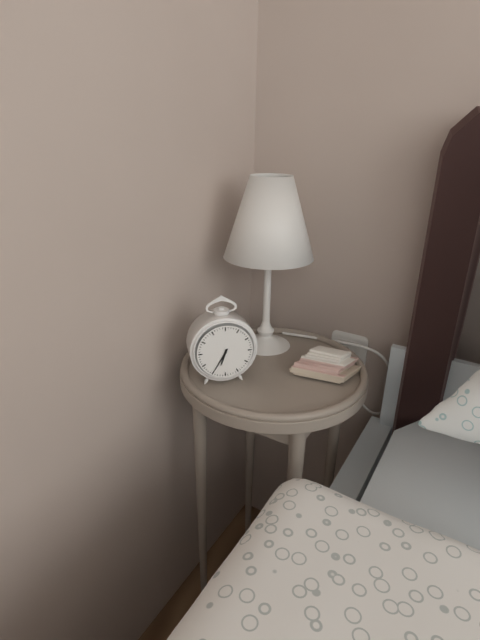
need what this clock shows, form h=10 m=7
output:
h=6 m=35
